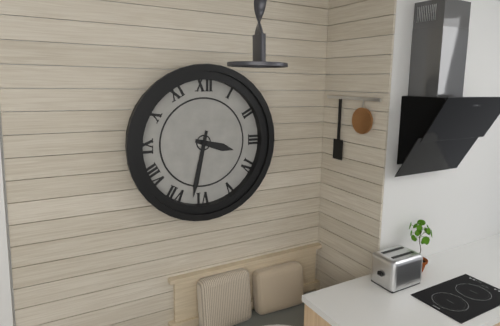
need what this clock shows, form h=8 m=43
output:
h=3 m=32
